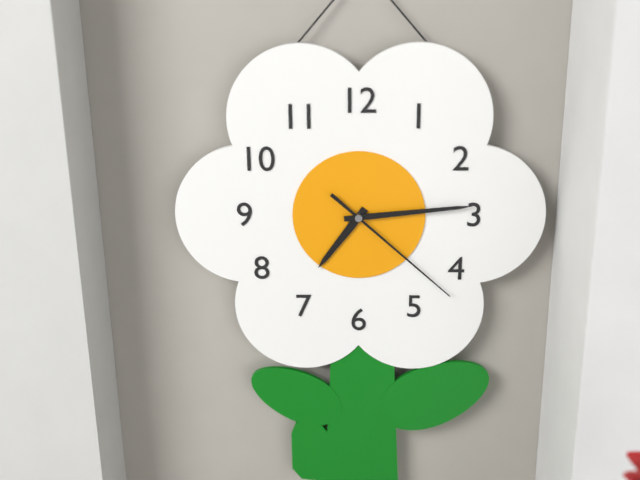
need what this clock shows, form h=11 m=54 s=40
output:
h=7 m=14 s=22
